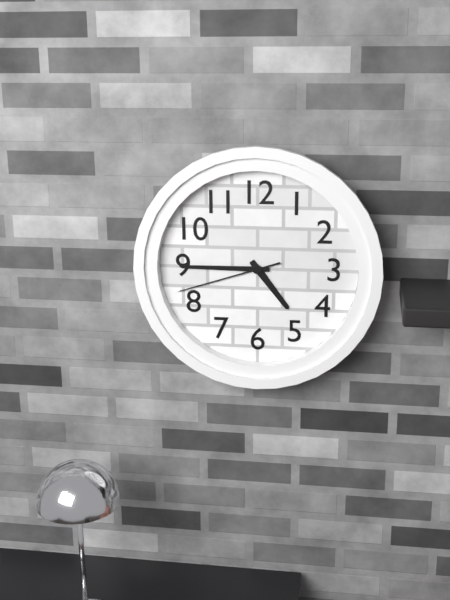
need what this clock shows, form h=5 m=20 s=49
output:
h=4 m=45 s=42
